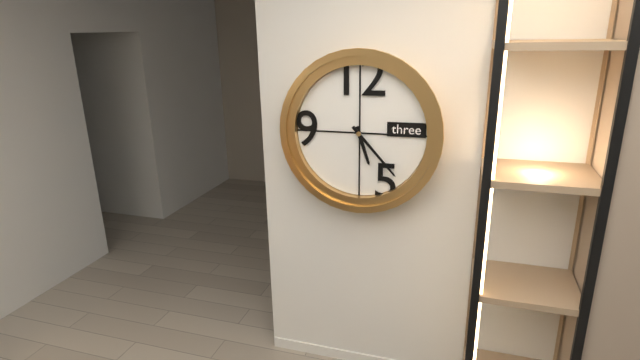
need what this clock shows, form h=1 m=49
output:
h=5 m=23
